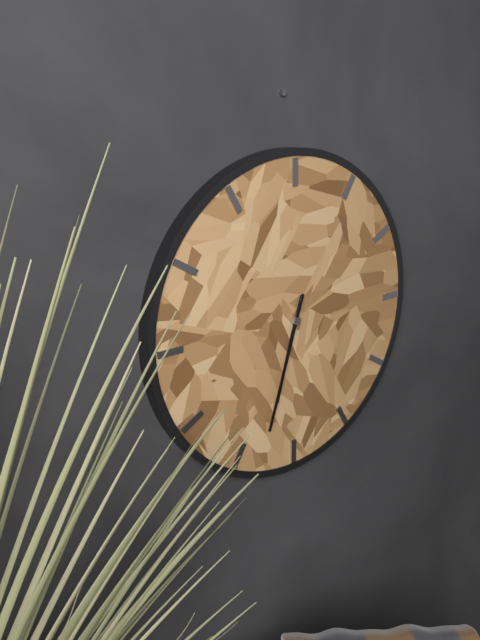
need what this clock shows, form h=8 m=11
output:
h=6 m=33
